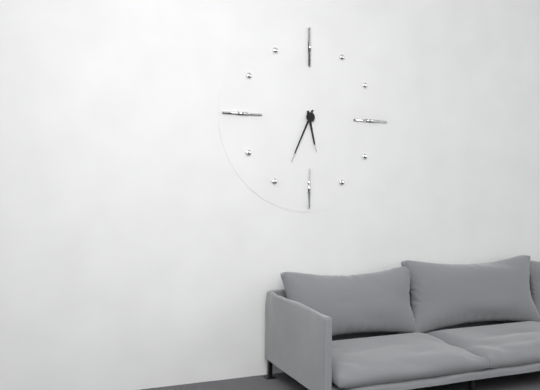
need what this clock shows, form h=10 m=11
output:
h=5 m=34
